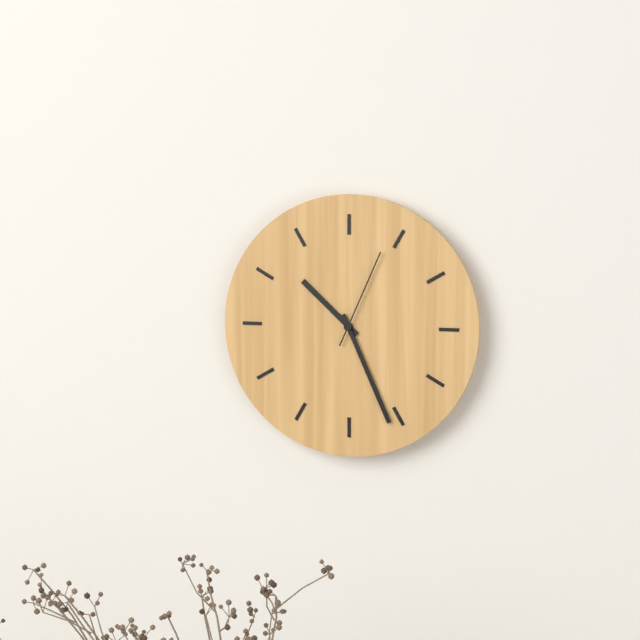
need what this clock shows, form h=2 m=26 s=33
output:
h=10 m=26 s=4
